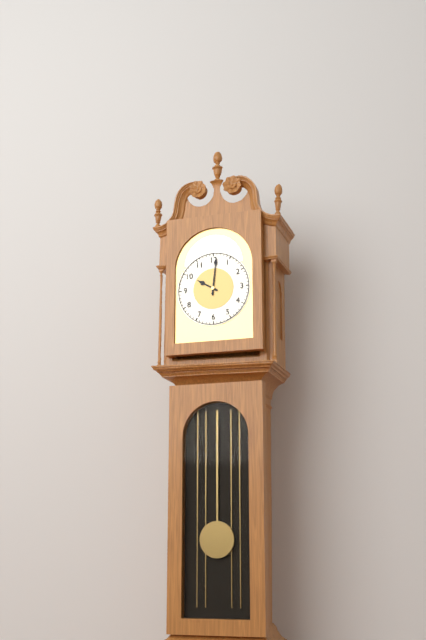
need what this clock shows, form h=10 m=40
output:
h=10 m=1
